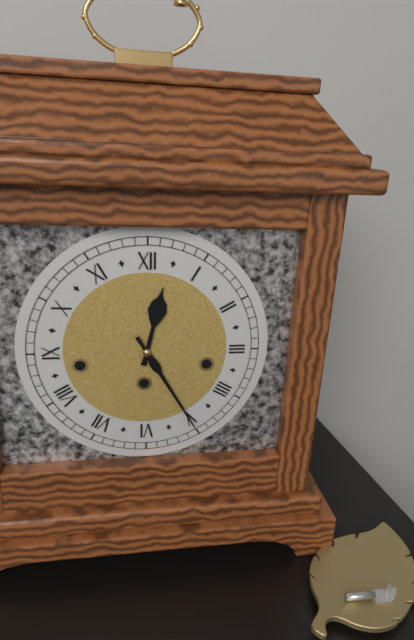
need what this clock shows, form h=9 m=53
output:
h=12 m=25
